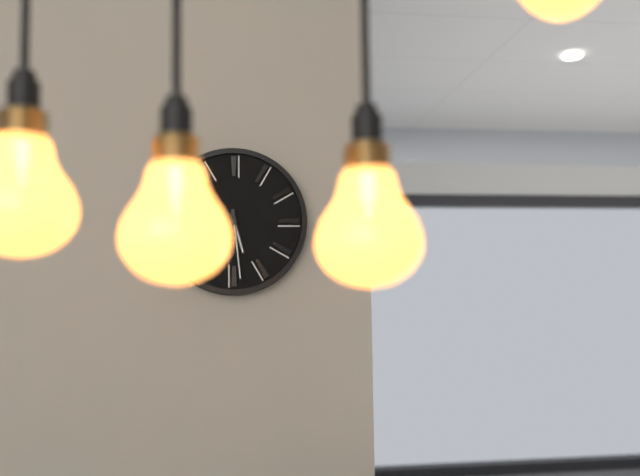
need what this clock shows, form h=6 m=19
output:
h=5 m=29
